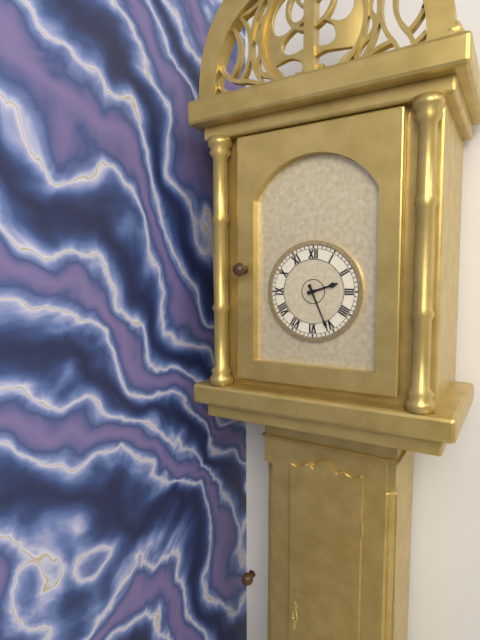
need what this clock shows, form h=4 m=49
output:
h=2 m=26
